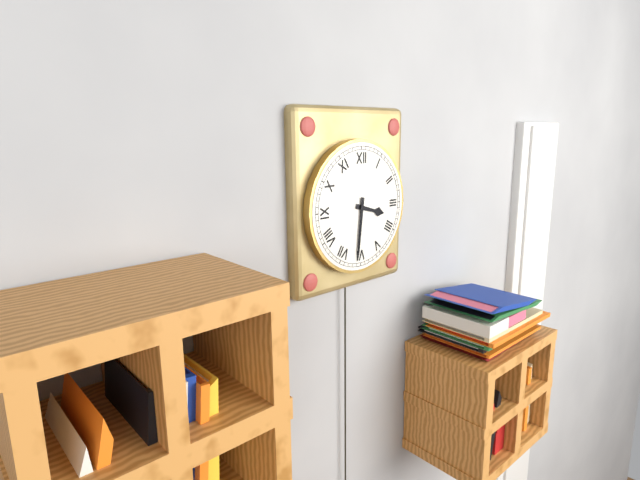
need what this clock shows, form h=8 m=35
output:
h=3 m=31
